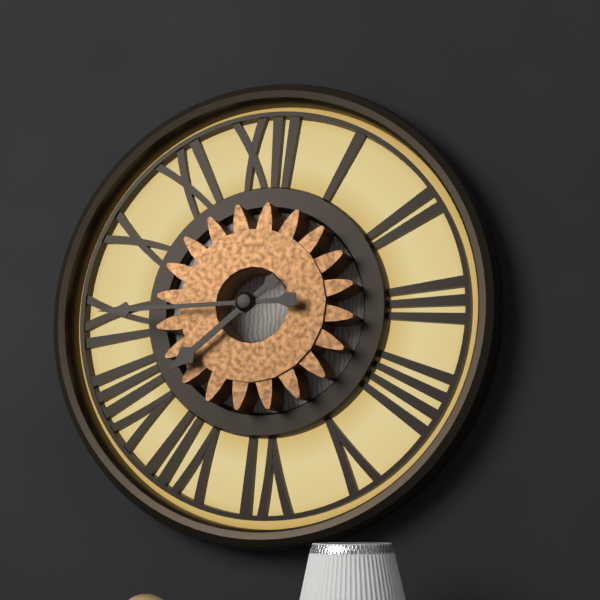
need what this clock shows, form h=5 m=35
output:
h=7 m=45
